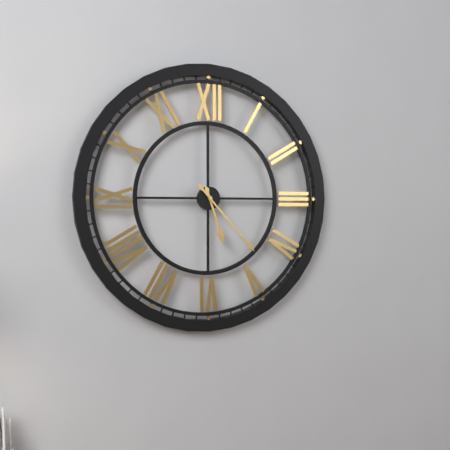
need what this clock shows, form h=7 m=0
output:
h=5 m=23
